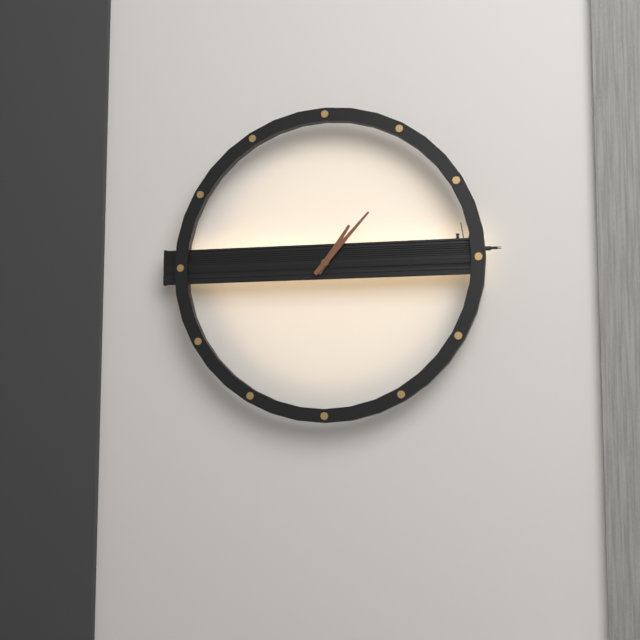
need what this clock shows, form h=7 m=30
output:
h=1 m=7
